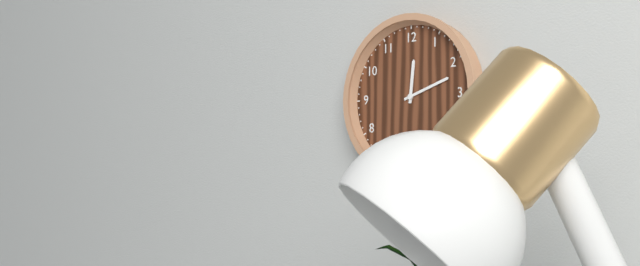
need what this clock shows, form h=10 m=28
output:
h=12 m=12
